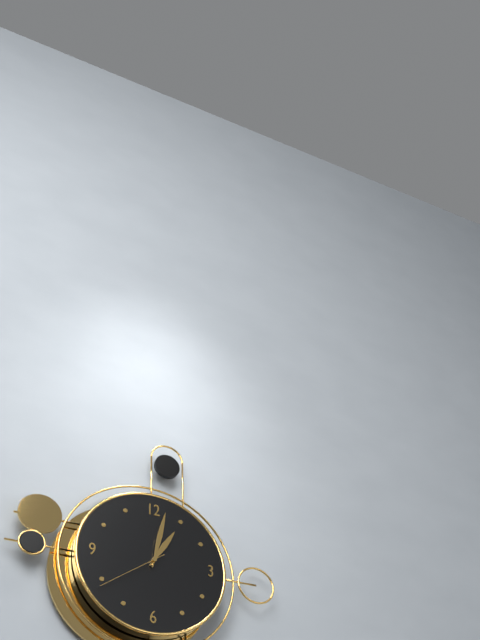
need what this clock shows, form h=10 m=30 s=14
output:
h=1 m=2 s=39
